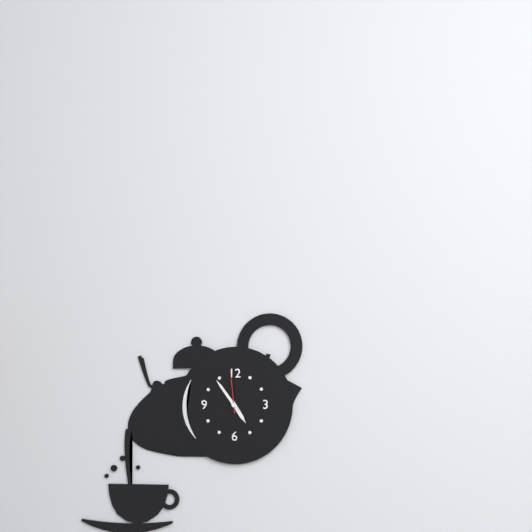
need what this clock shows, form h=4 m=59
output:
h=4 m=54
